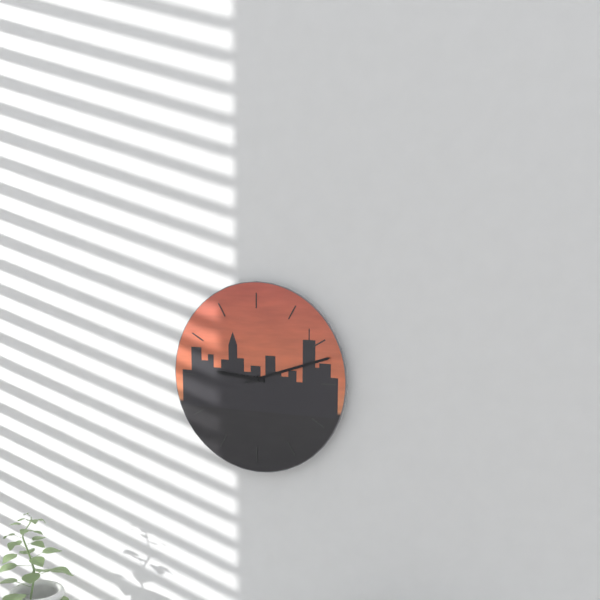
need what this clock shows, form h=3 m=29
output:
h=9 m=12
